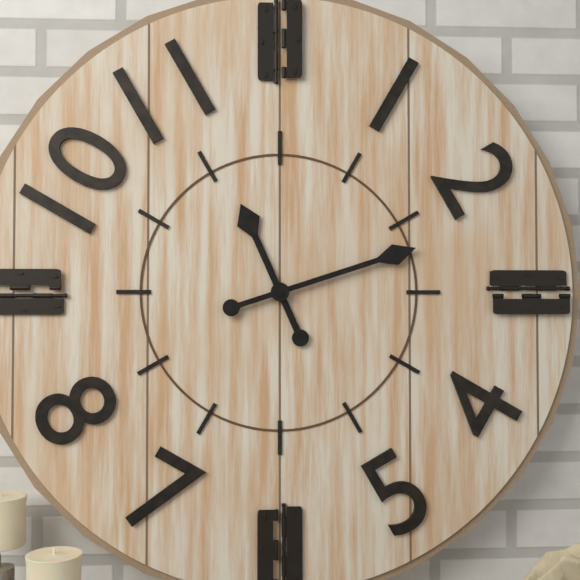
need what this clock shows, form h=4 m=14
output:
h=11 m=12
